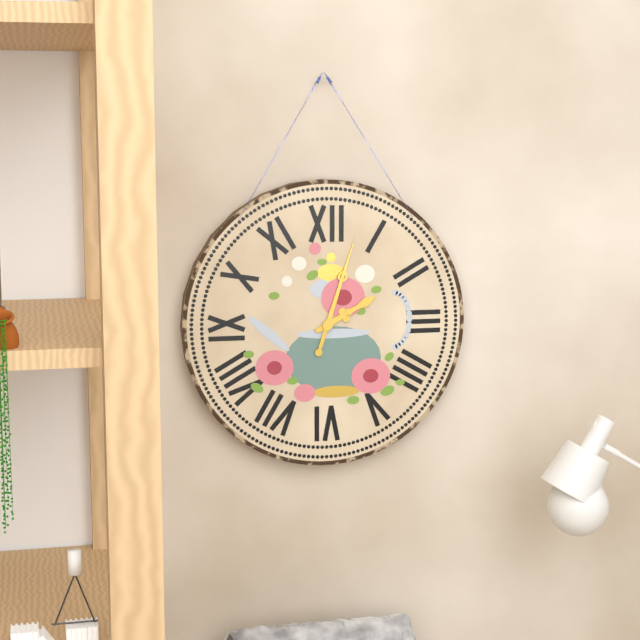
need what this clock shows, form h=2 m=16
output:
h=2 m=3
